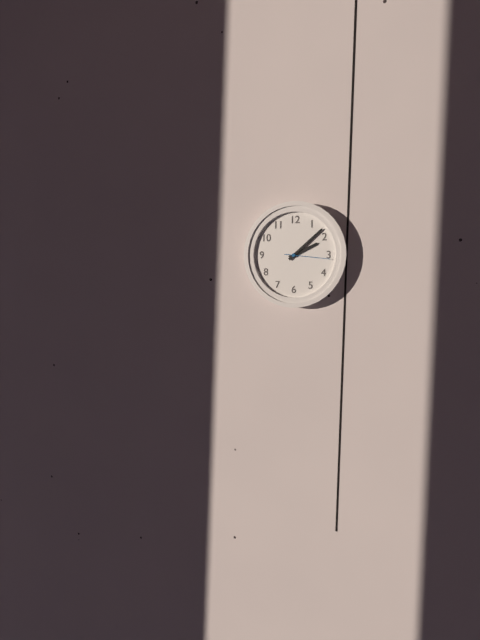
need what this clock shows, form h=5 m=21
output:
h=2 m=8
